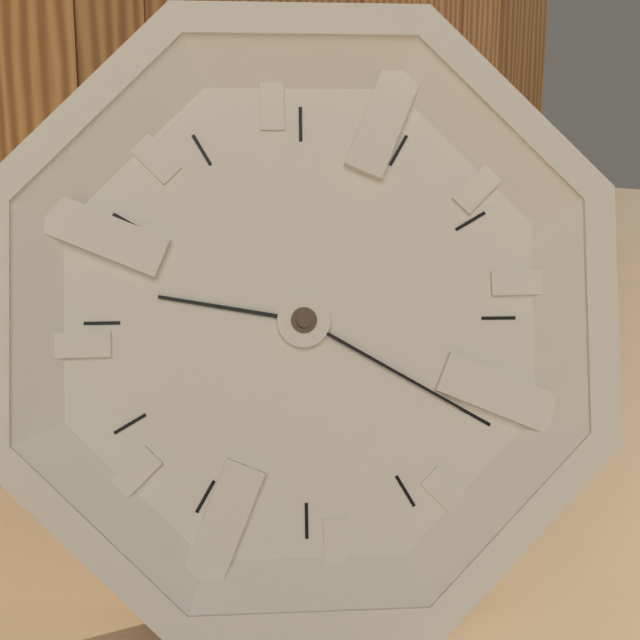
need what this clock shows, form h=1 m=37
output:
h=9 m=20
